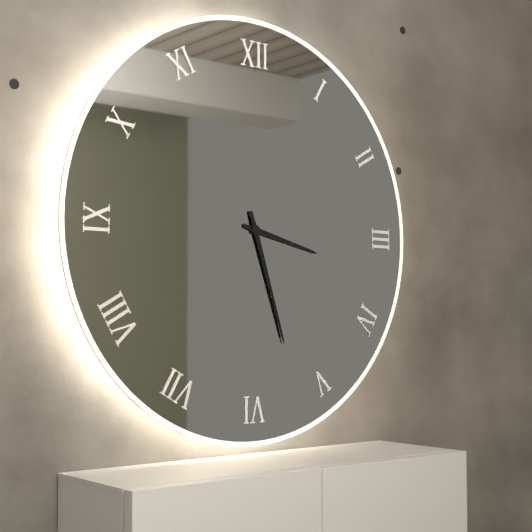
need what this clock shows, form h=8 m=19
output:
h=3 m=27
